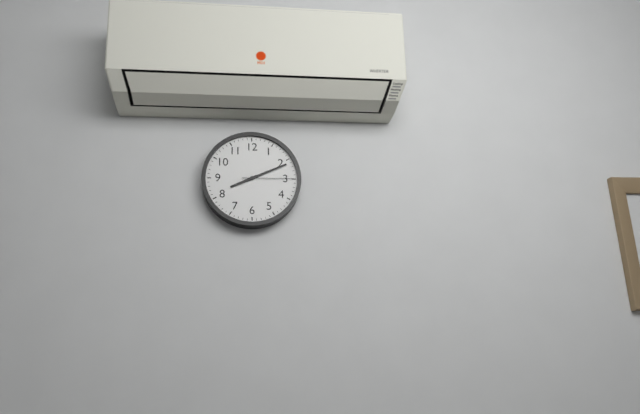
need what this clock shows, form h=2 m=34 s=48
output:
h=8 m=11 s=15
